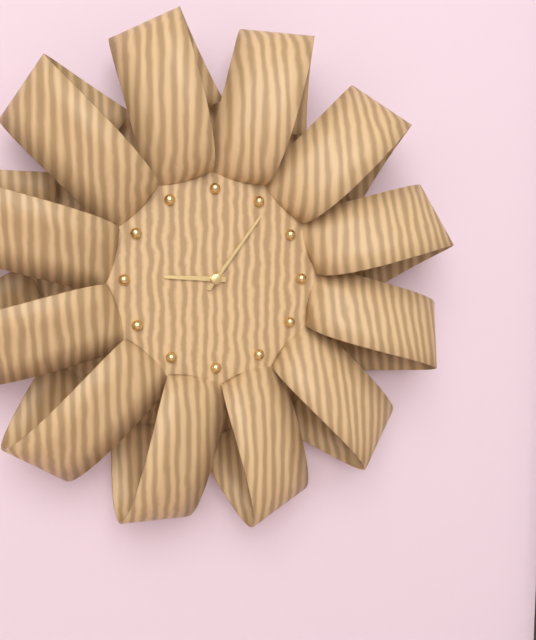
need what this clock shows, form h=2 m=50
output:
h=9 m=6
